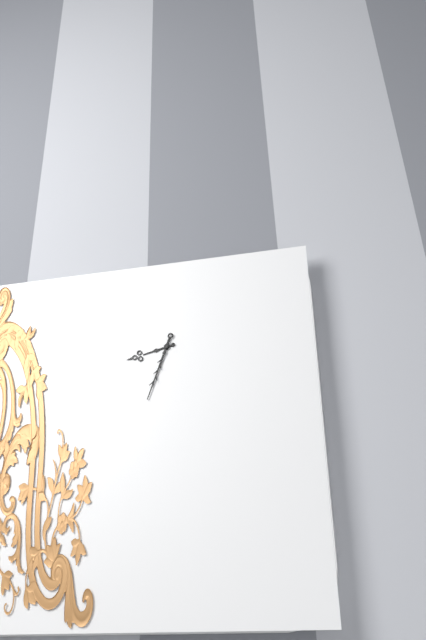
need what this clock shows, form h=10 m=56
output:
h=8 m=33
